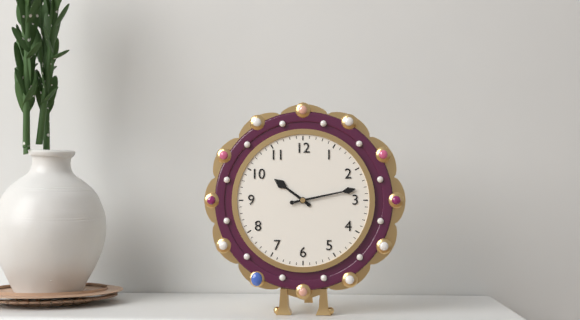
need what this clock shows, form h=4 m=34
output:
h=10 m=13
